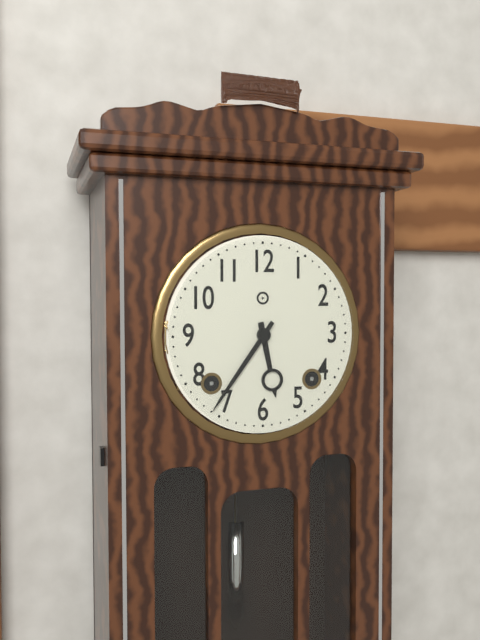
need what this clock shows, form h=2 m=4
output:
h=5 m=36
